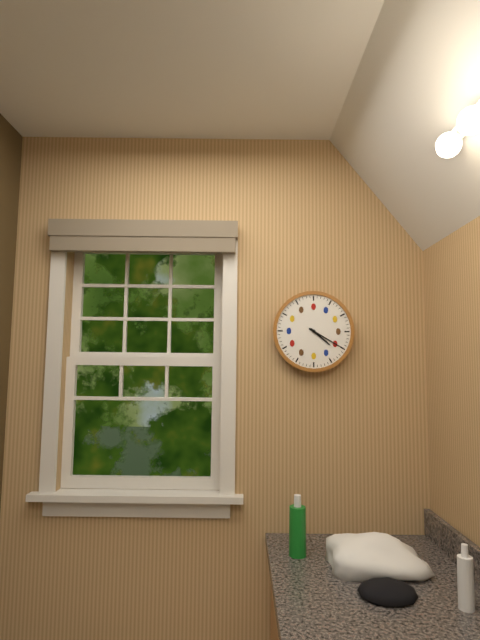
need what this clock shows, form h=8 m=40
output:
h=4 m=20
